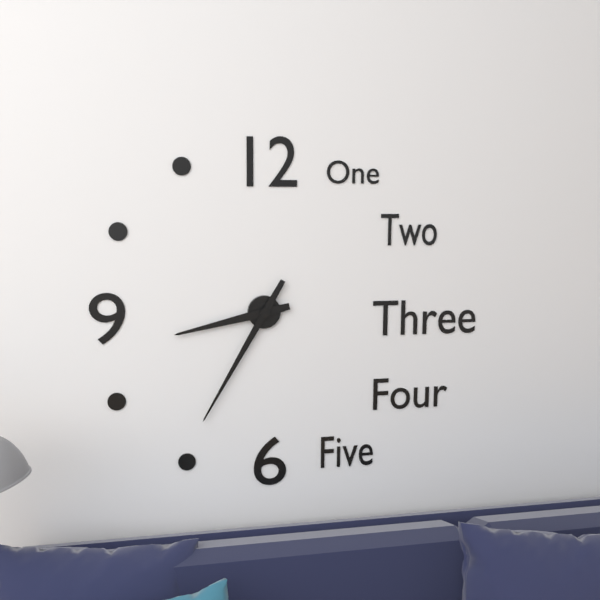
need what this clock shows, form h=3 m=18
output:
h=8 m=35
